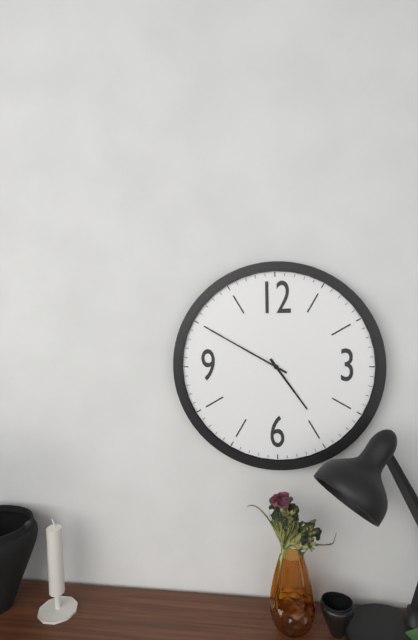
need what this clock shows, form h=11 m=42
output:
h=4 m=50
